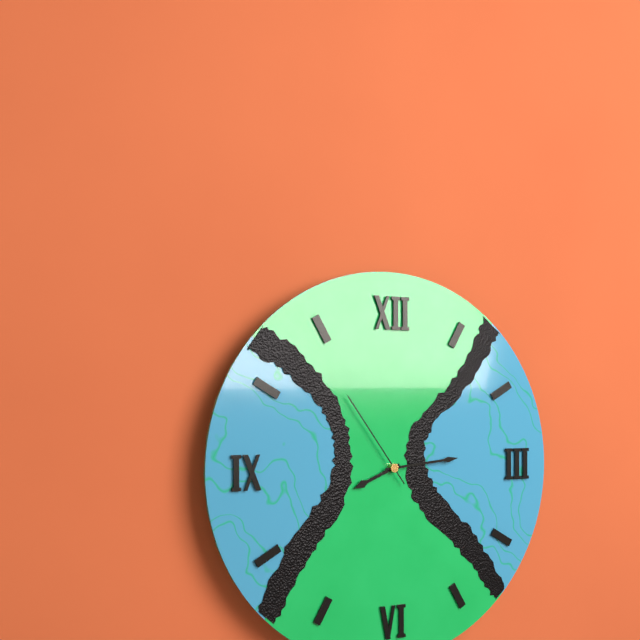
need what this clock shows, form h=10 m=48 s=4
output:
h=8 m=14 s=54
